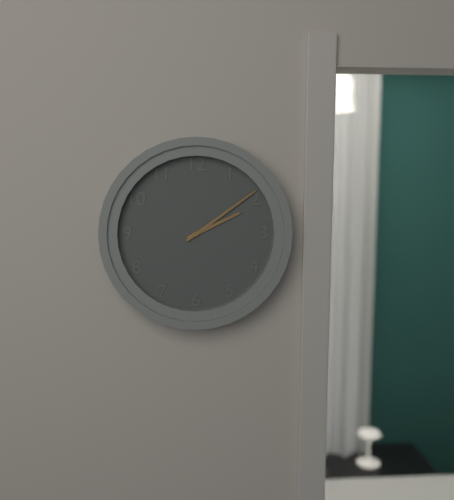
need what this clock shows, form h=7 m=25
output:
h=2 m=9
